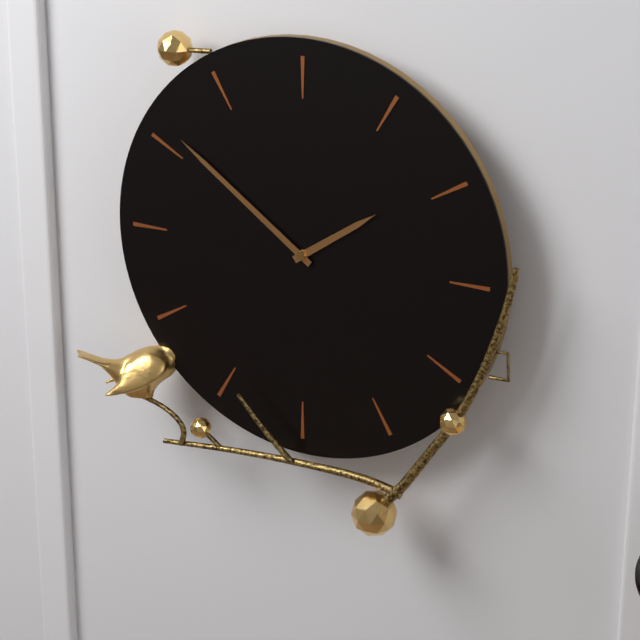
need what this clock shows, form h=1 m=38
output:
h=1 m=51
